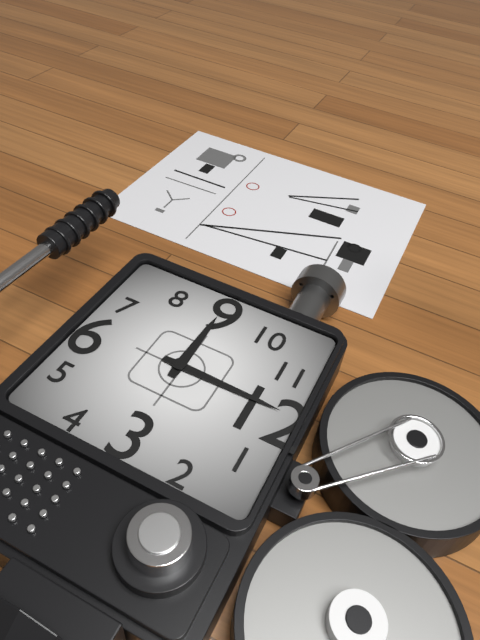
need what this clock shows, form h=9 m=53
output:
h=9 m=0
